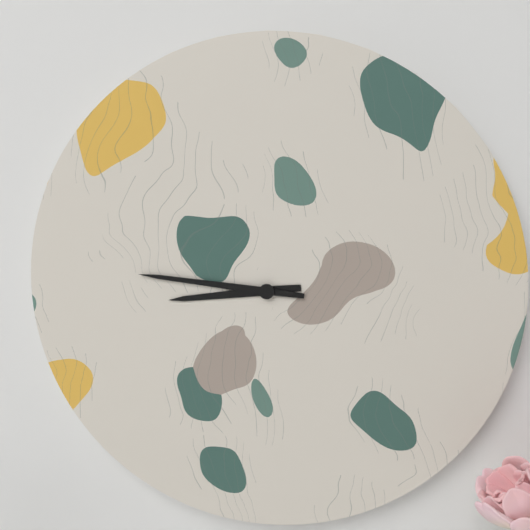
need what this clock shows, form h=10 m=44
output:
h=8 m=46
